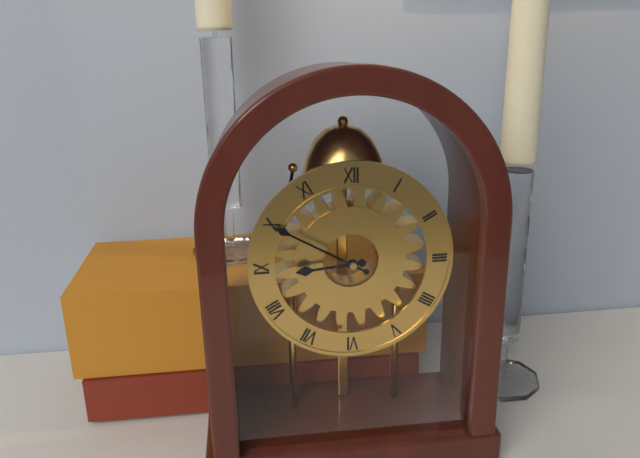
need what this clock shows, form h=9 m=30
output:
h=8 m=50
